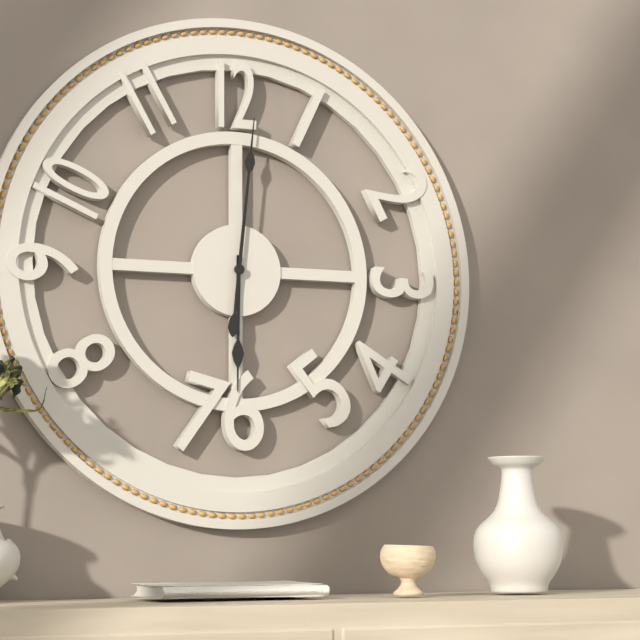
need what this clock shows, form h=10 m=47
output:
h=6 m=1
